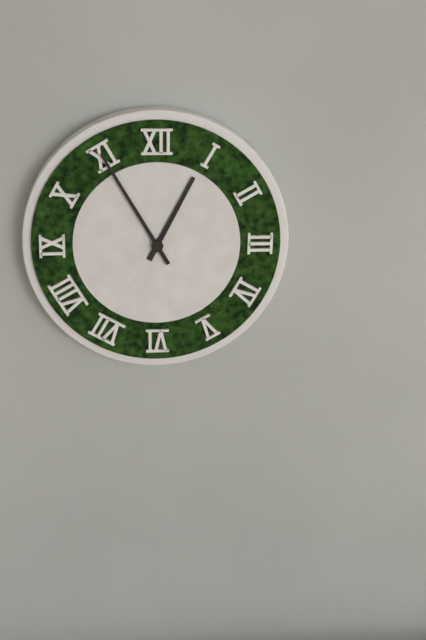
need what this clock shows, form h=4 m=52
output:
h=12 m=55
